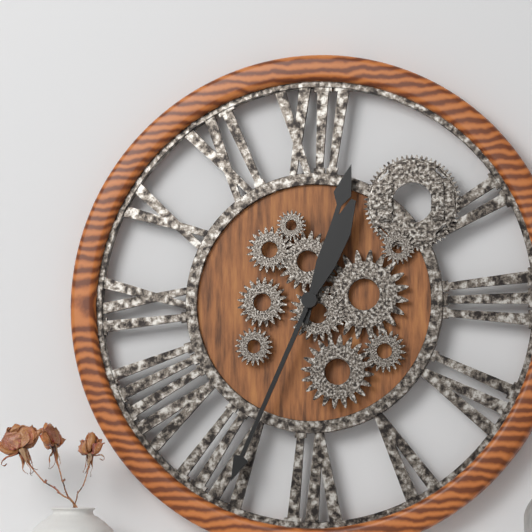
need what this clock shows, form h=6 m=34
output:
h=12 m=34
